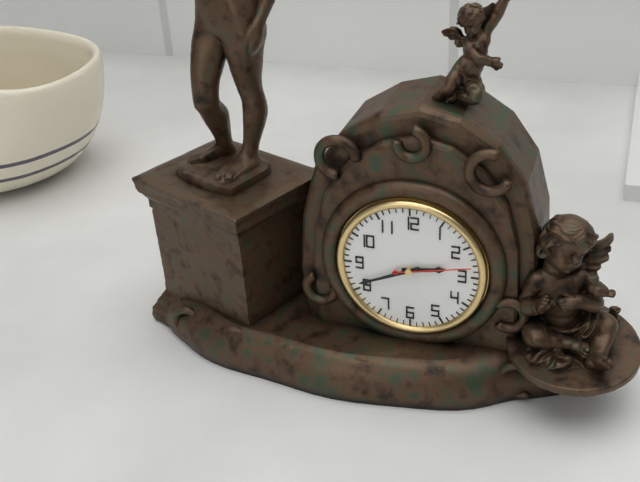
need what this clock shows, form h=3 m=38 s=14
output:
h=2 m=41 s=13
